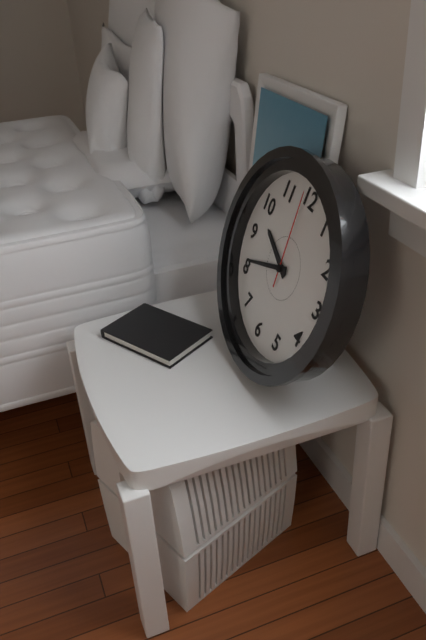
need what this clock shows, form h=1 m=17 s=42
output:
h=9 m=41 s=59
